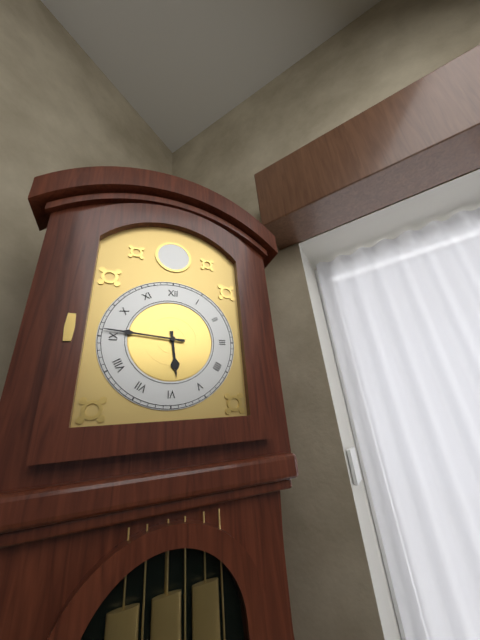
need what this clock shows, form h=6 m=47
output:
h=5 m=46
